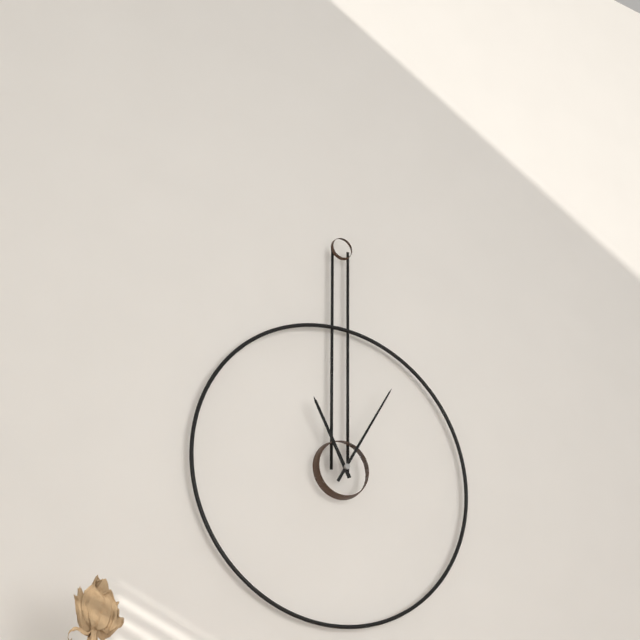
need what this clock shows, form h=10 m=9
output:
h=11 m=5
